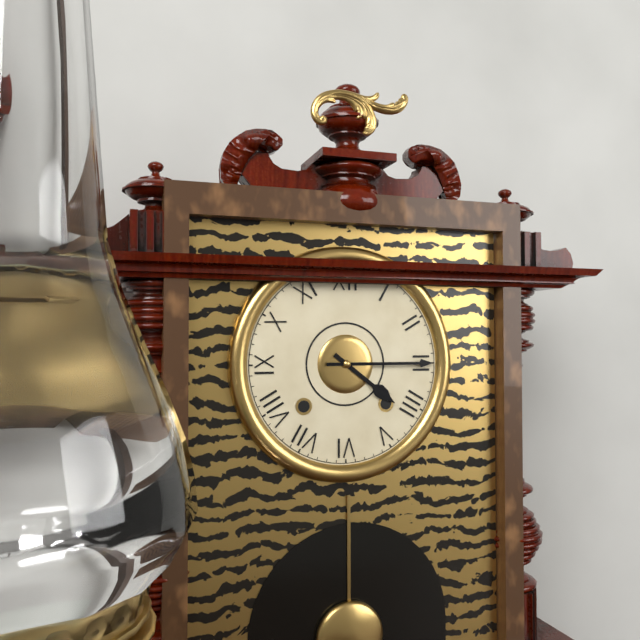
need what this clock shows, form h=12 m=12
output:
h=4 m=15
